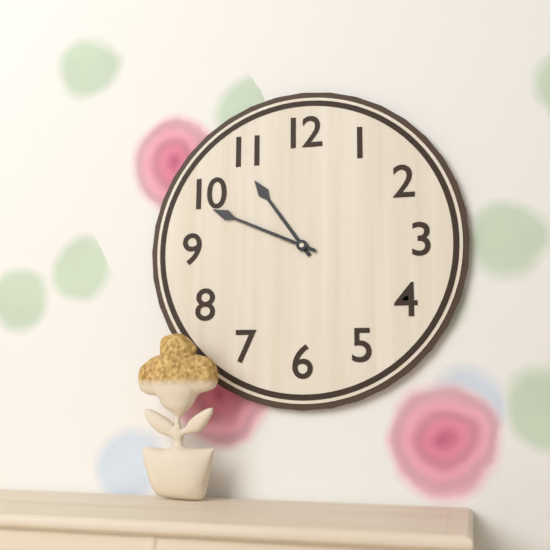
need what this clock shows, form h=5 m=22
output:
h=10 m=49
